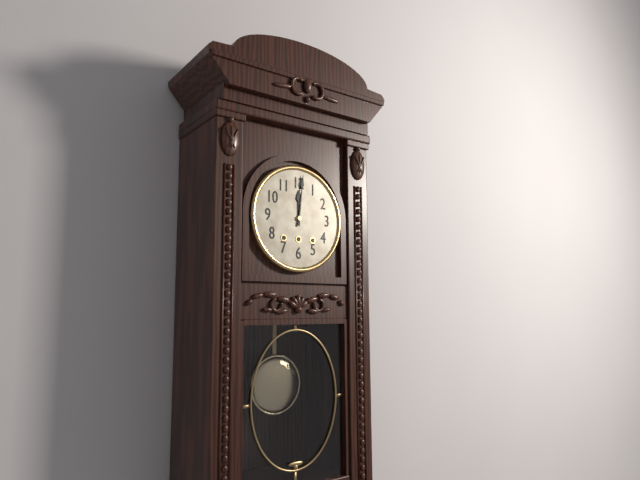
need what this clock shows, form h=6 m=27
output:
h=12 m=1
